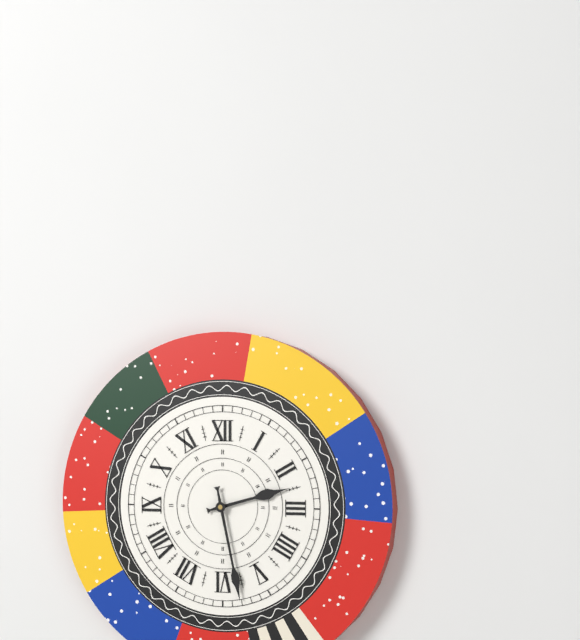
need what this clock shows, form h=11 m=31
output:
h=2 m=28
